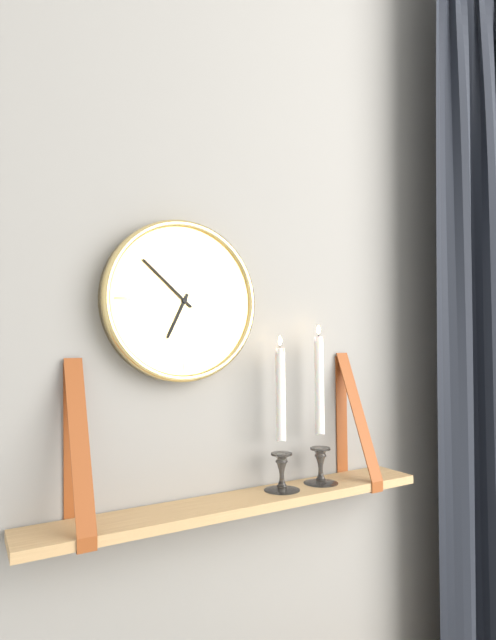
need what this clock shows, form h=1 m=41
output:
h=6 m=52
